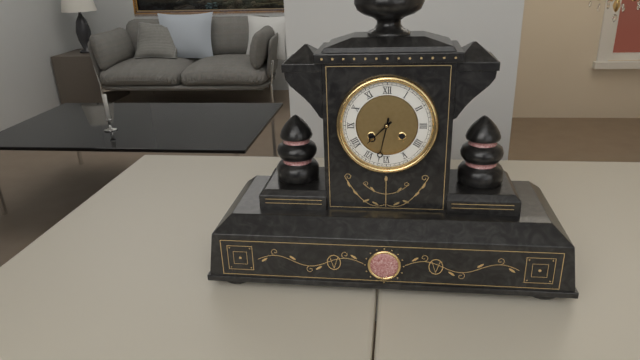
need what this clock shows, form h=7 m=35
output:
h=7 m=32
